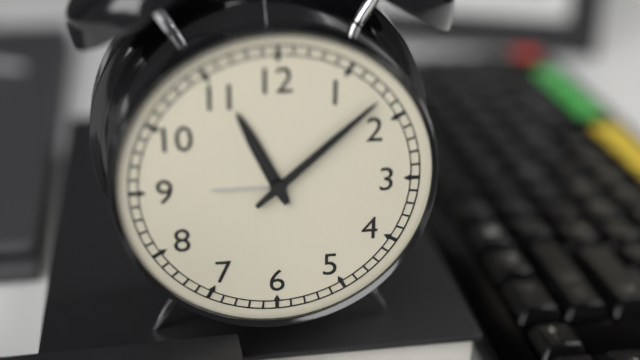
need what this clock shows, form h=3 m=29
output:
h=11 m=8
